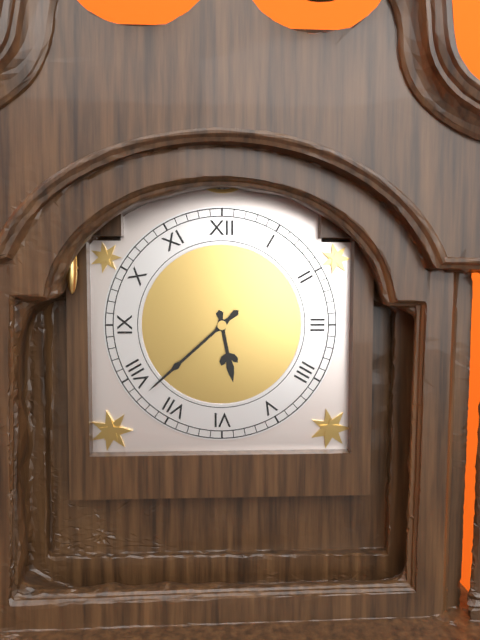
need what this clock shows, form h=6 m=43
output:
h=5 m=38
